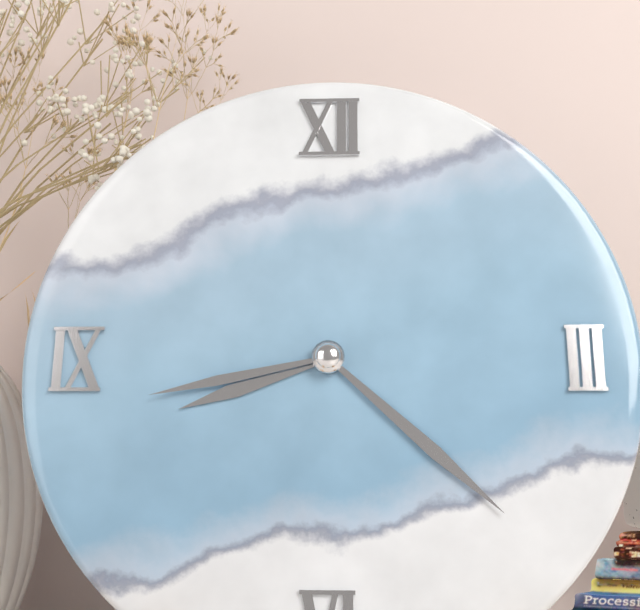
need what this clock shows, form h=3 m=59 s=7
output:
h=8 m=22 s=43
